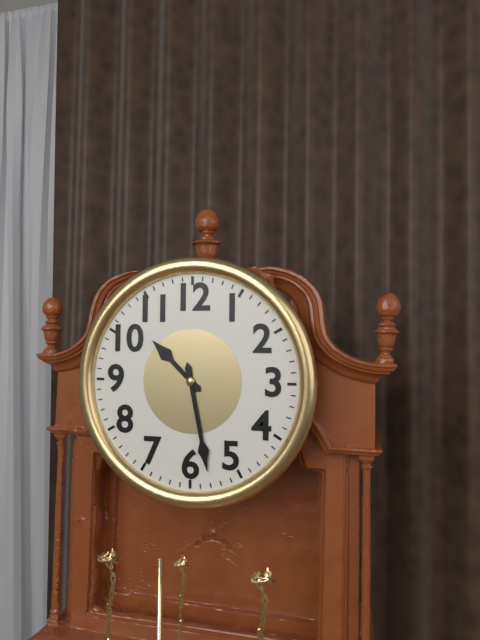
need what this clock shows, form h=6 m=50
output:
h=10 m=28
